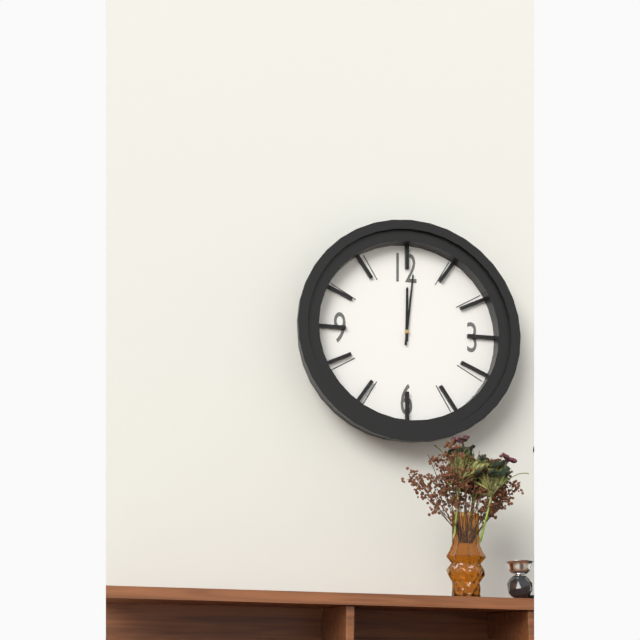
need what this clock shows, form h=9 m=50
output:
h=12 m=1
